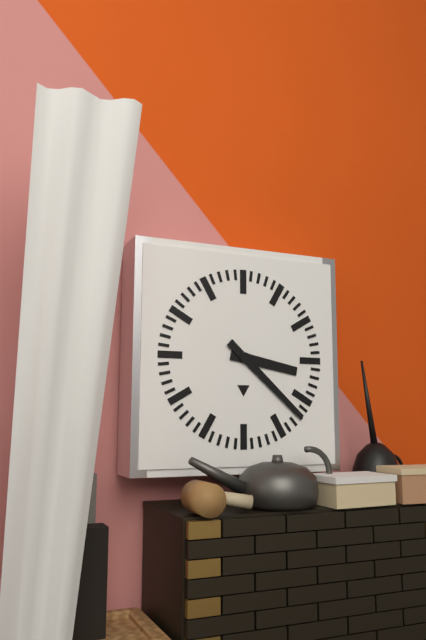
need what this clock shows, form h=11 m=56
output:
h=3 m=22
